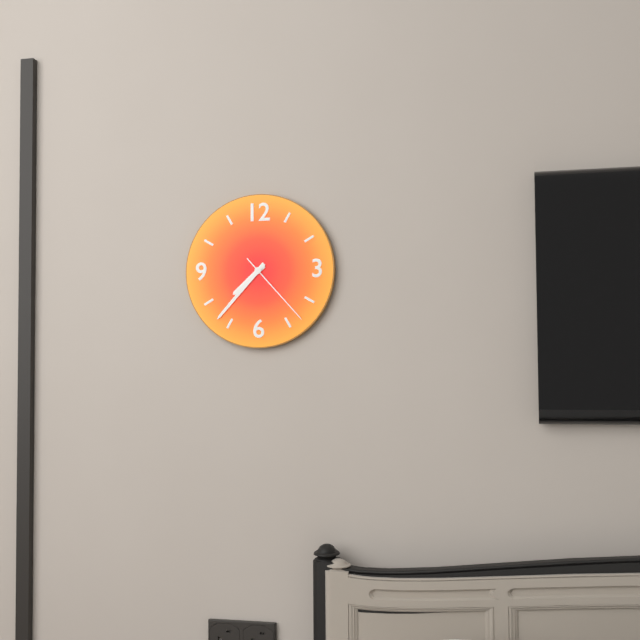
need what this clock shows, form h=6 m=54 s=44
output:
h=7 m=37 s=23
